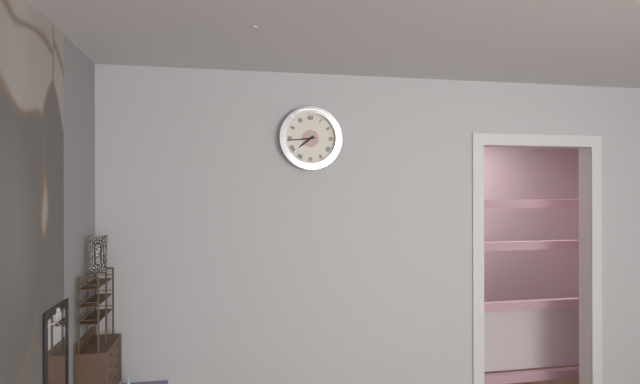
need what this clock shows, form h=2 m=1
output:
h=7 m=44
